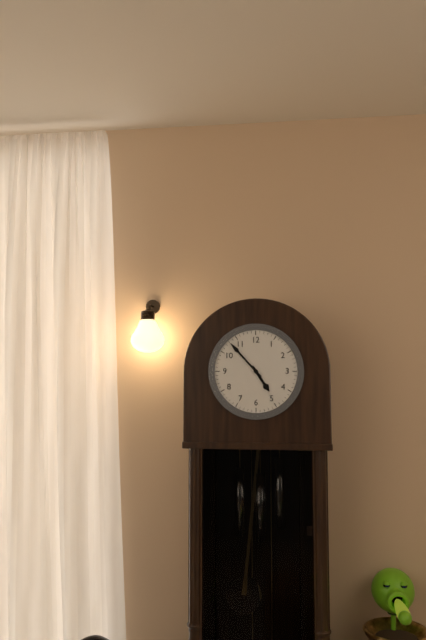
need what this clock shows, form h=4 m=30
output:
h=4 m=53
